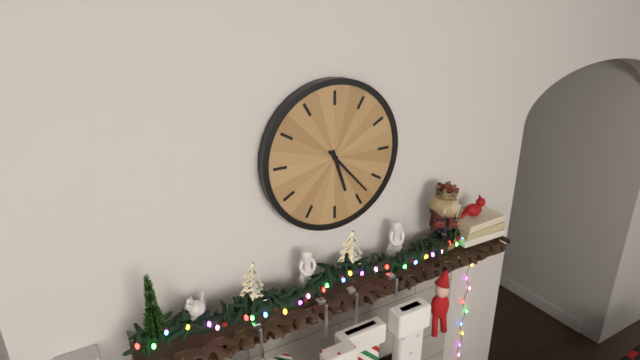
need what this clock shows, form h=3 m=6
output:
h=5 m=23
